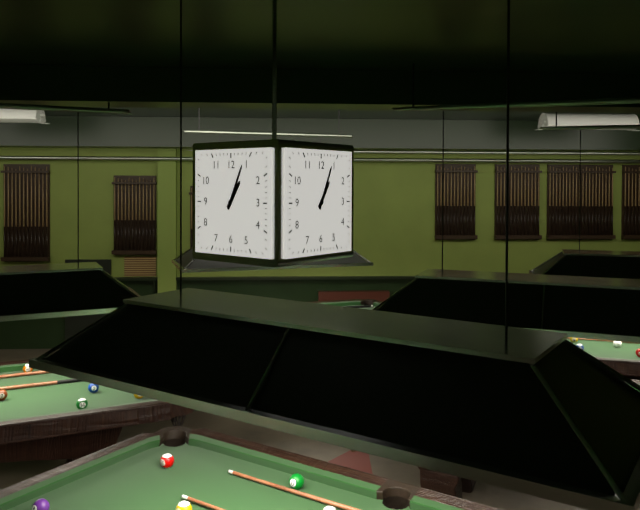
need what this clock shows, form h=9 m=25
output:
h=1 m=4
